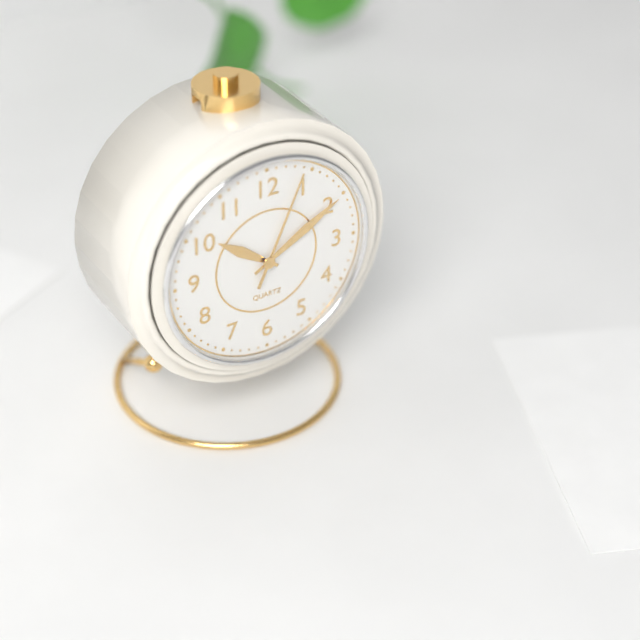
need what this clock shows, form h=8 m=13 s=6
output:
h=10 m=10 s=4
